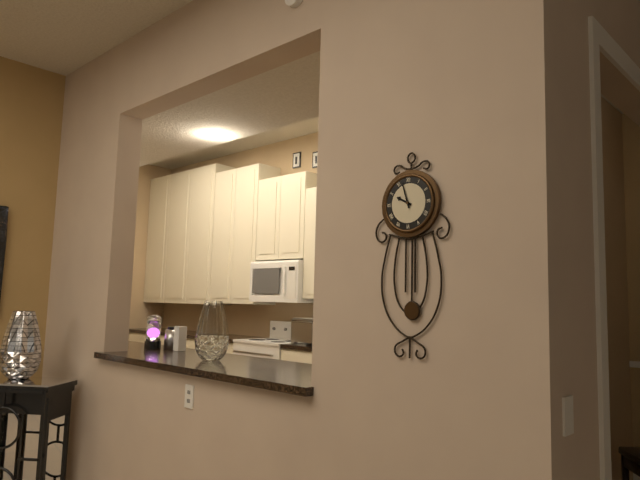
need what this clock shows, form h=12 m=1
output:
h=9 m=57
